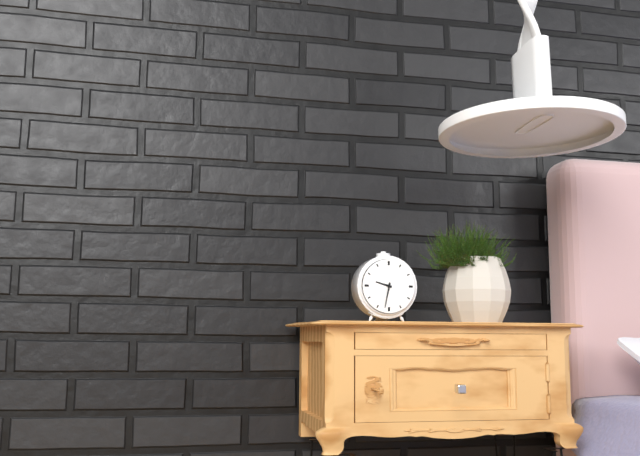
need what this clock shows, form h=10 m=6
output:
h=9 m=32
